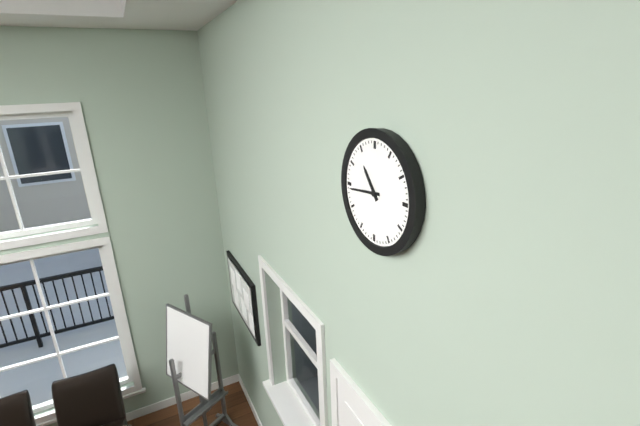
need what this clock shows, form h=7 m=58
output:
h=10 m=44
